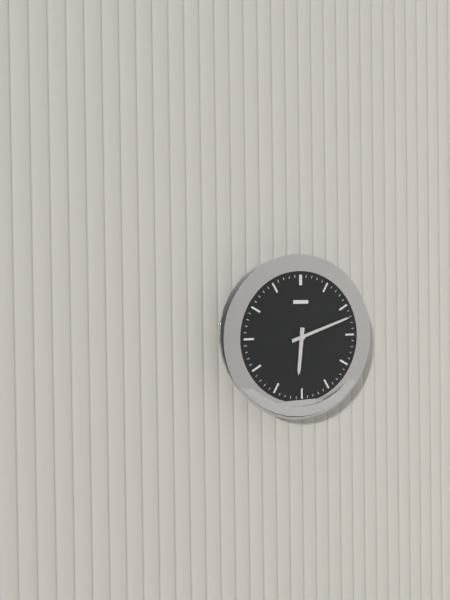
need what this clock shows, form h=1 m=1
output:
h=6 m=12
